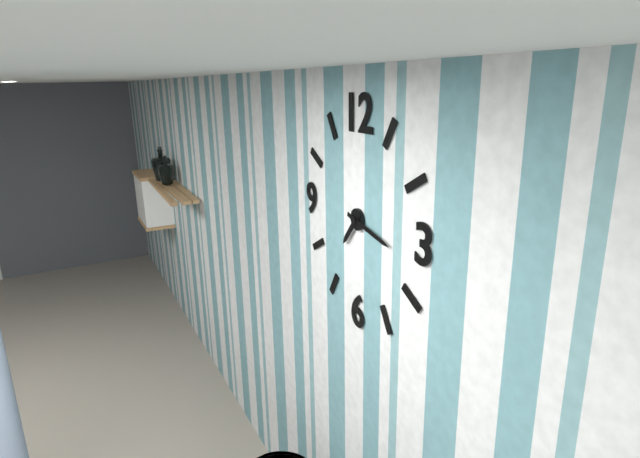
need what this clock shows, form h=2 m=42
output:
h=7 m=17
